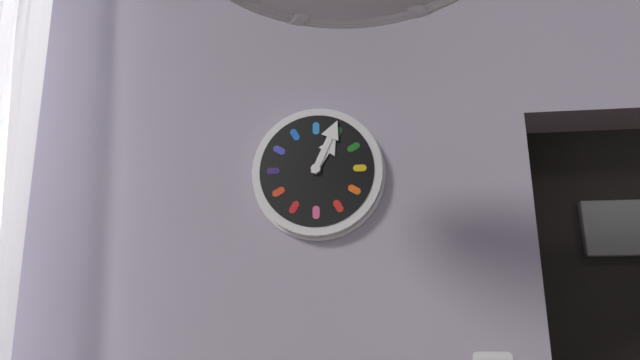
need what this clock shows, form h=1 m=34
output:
h=1 m=4
